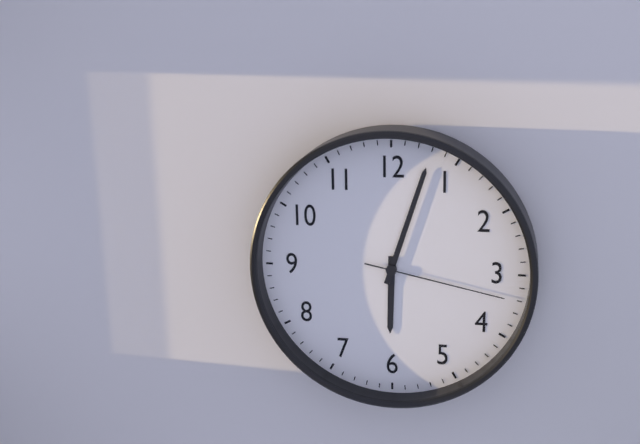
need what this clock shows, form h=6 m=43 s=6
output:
h=6 m=3 s=17
